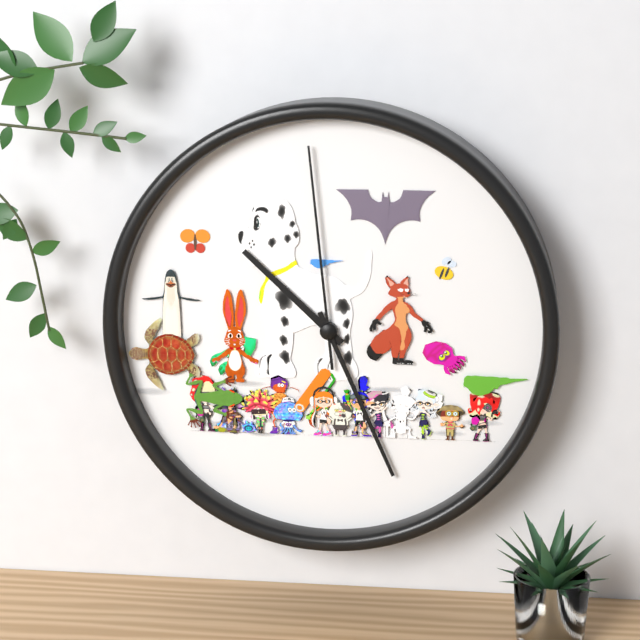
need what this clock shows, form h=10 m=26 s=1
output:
h=10 m=26 s=59
